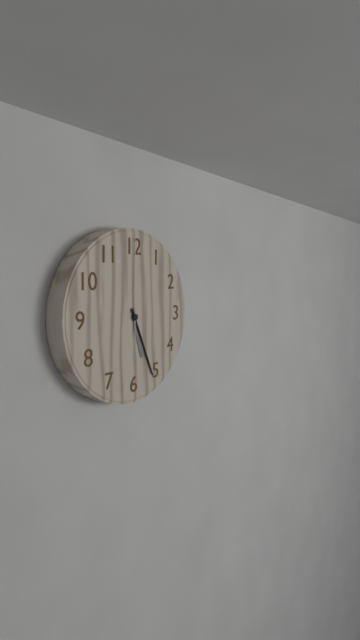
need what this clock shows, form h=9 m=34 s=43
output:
h=5 m=26 s=0
